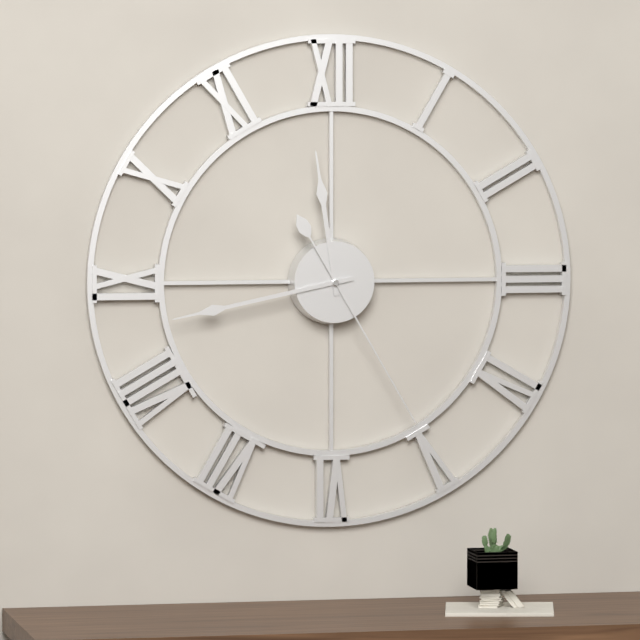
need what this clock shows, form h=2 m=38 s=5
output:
h=11 m=43 s=25
